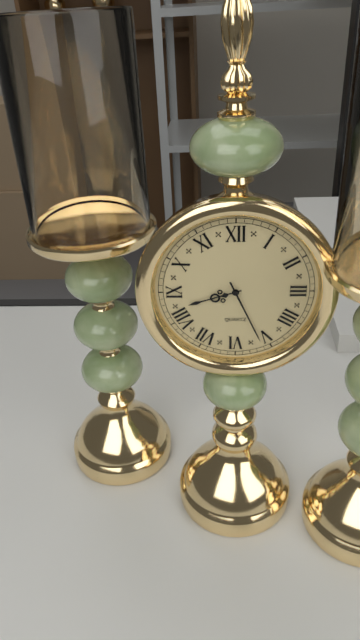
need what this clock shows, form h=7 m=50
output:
h=8 m=26
